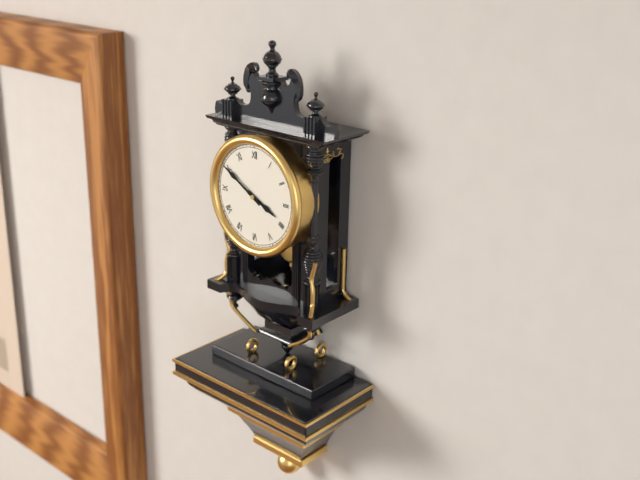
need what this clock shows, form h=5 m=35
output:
h=3 m=50
